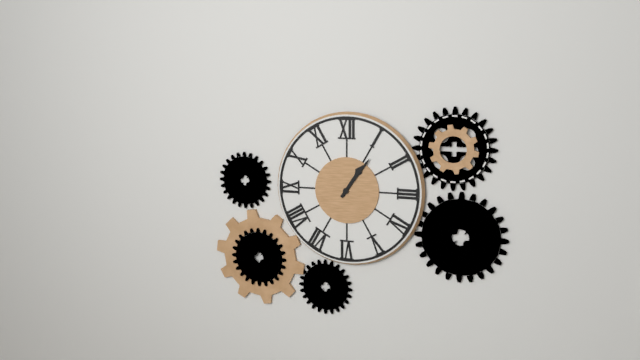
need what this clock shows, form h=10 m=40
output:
h=1 m=6
